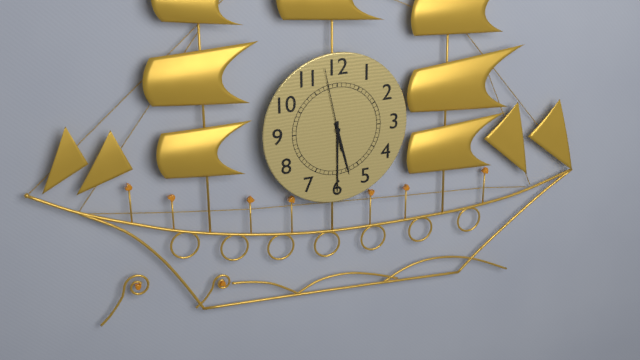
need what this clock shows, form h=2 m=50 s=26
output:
h=5 m=30 s=58
